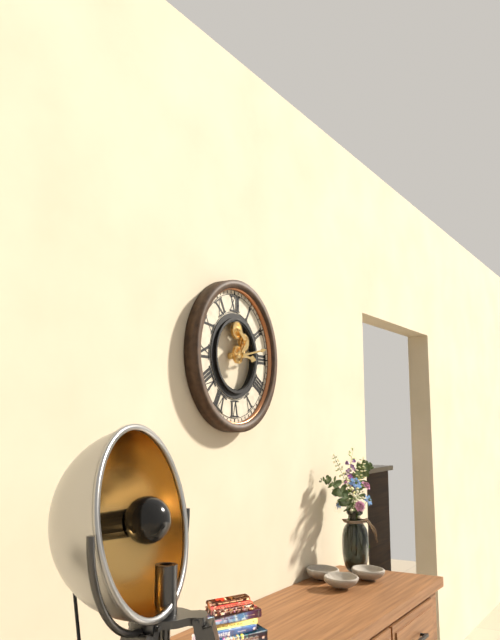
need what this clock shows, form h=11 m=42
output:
h=3 m=13
